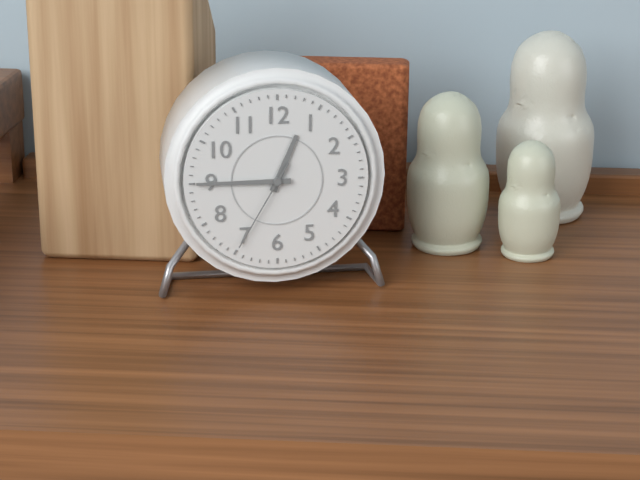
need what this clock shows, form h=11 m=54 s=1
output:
h=12 m=45 s=35
